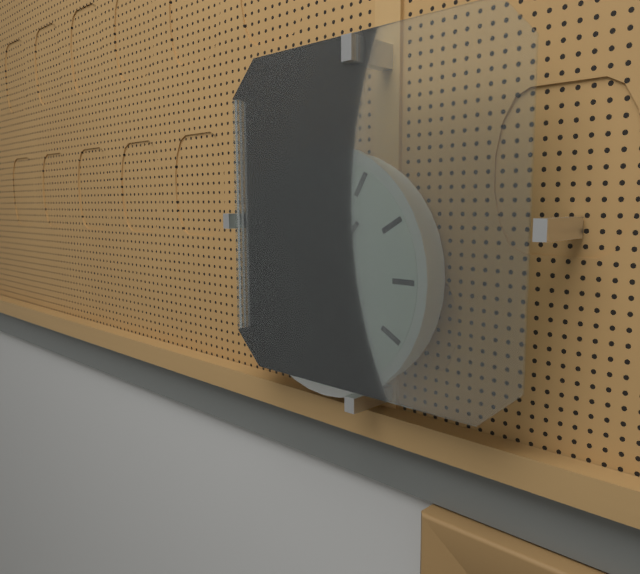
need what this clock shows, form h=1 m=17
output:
h=1 m=25
